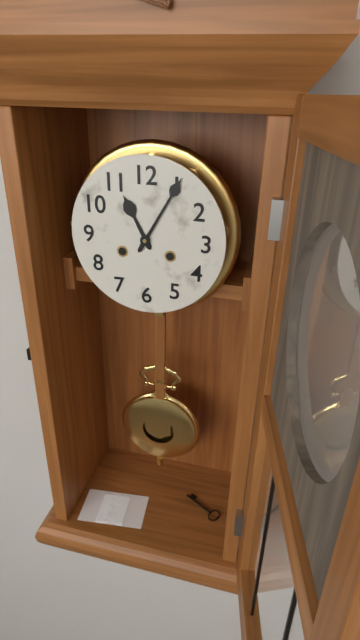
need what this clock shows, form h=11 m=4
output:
h=11 m=5
